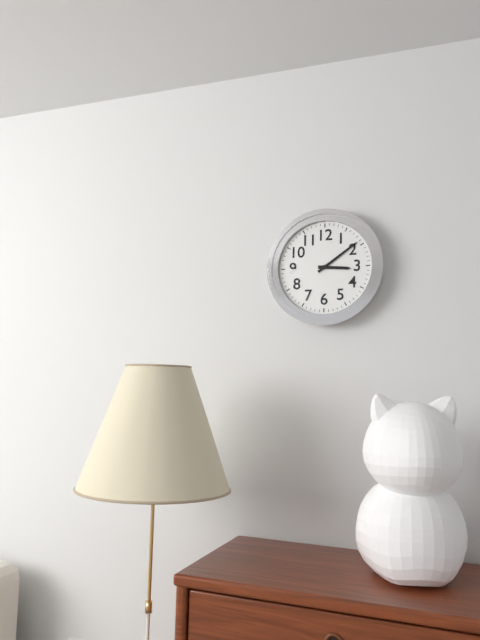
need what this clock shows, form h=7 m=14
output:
h=3 m=9
